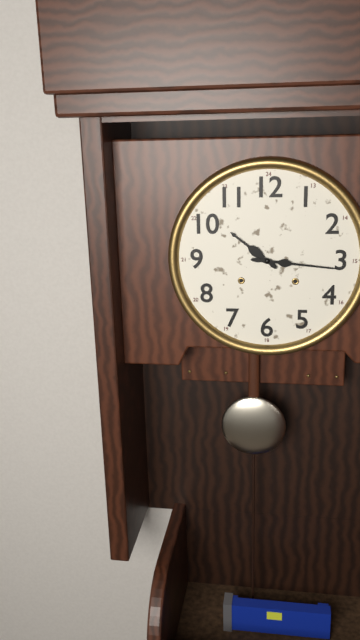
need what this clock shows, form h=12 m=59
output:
h=10 m=16
